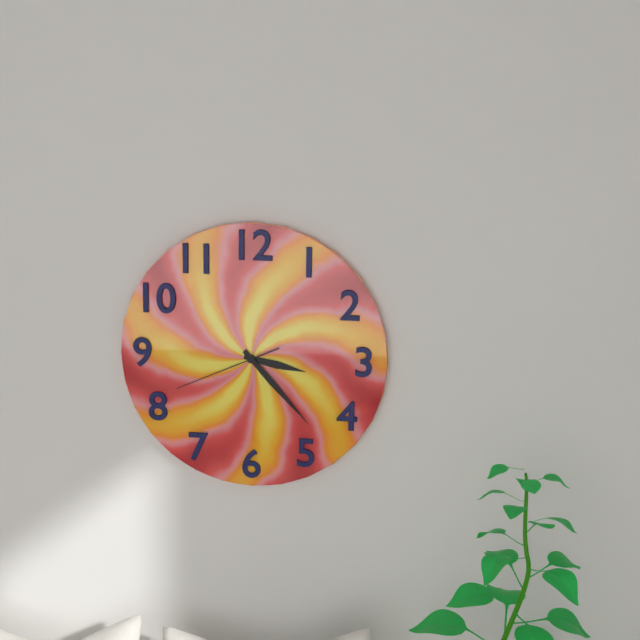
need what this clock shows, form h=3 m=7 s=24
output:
h=3 m=23 s=41
